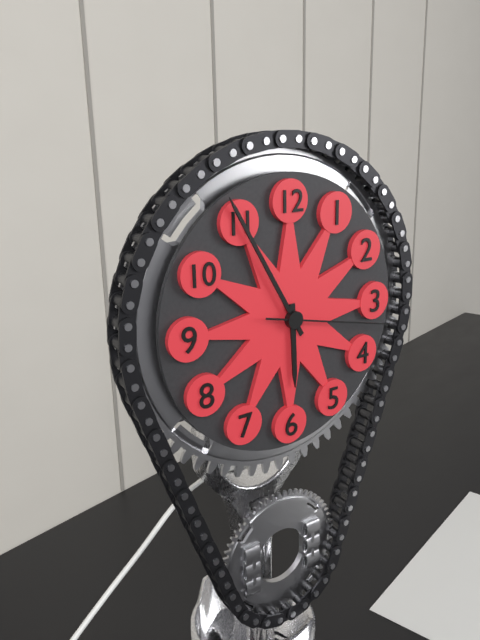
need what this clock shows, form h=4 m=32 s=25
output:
h=5 m=55 s=17
